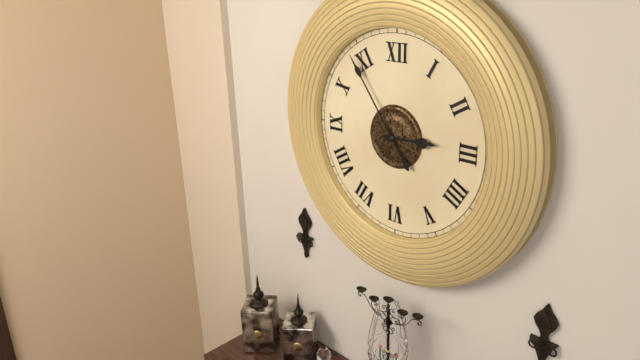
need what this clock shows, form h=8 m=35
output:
h=2 m=54
